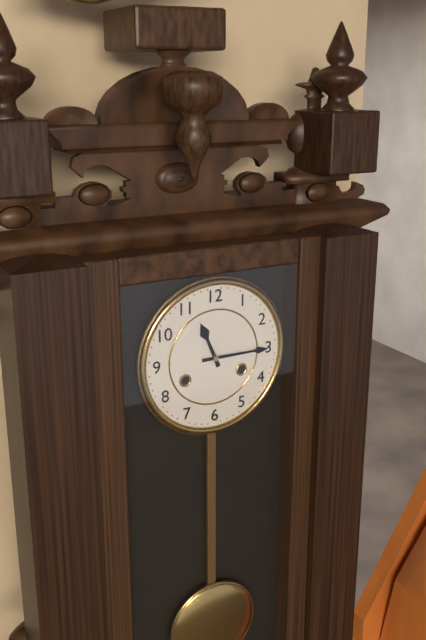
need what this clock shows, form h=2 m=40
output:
h=11 m=15
